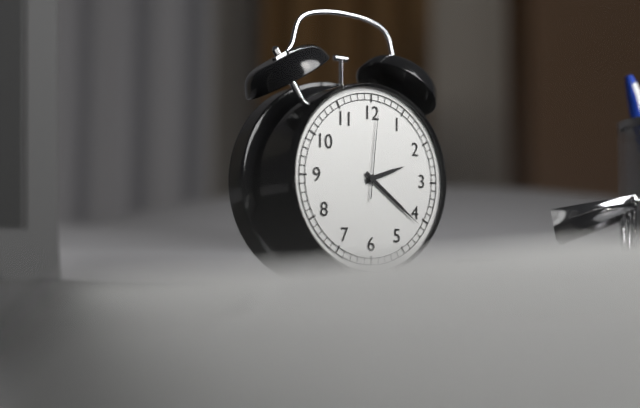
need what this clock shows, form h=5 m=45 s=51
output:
h=2 m=21 s=1
